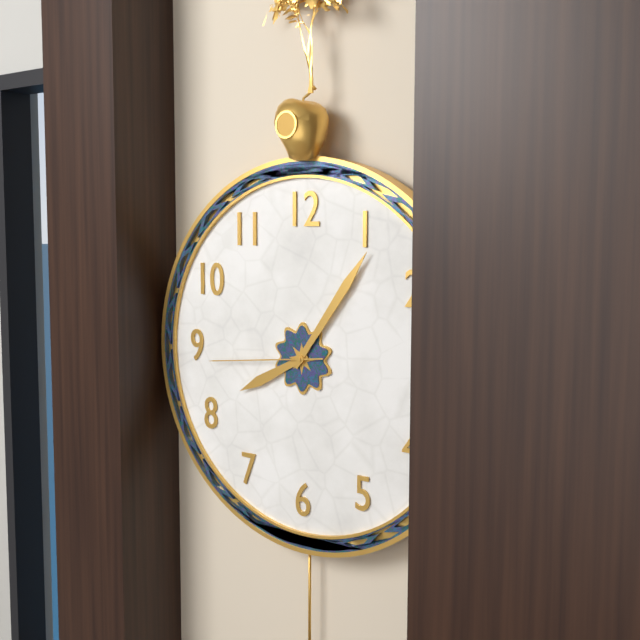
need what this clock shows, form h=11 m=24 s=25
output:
h=8 m=6 s=44
